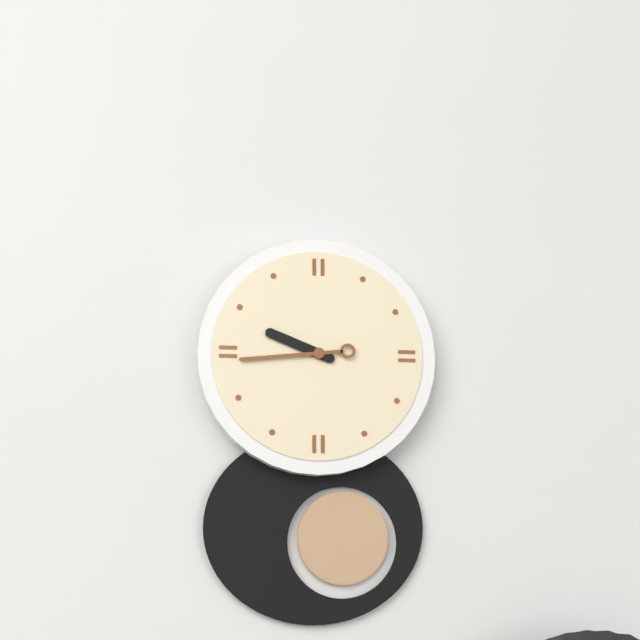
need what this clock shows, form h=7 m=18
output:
h=9 m=44
